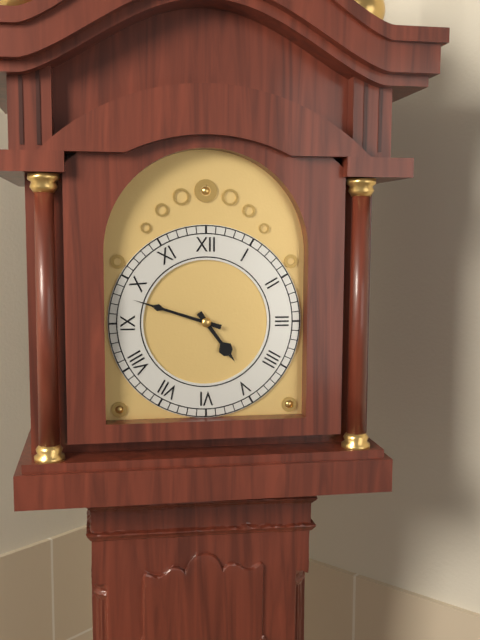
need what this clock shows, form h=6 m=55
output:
h=4 m=48
